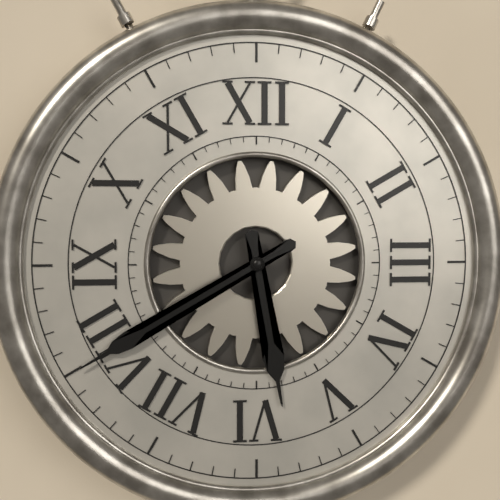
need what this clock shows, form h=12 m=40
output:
h=5 m=40
